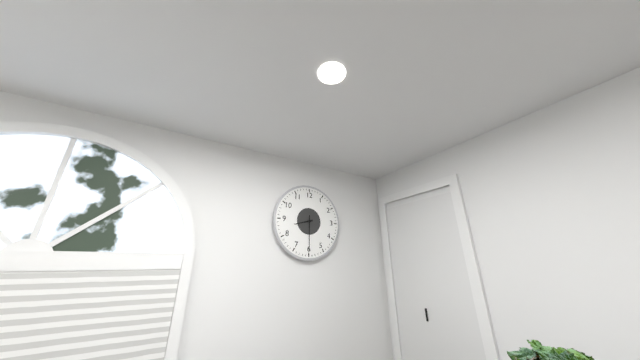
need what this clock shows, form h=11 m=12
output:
h=8 m=30
